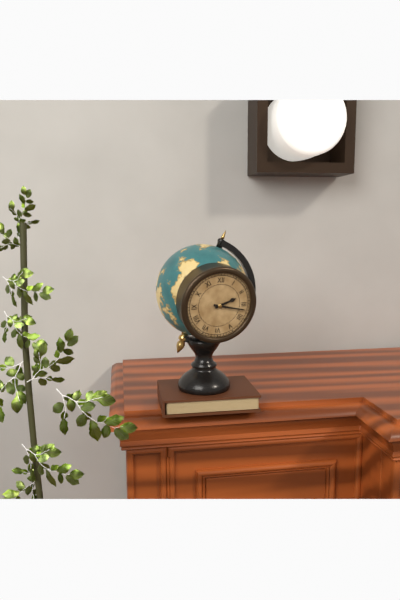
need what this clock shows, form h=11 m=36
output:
h=2 m=17
